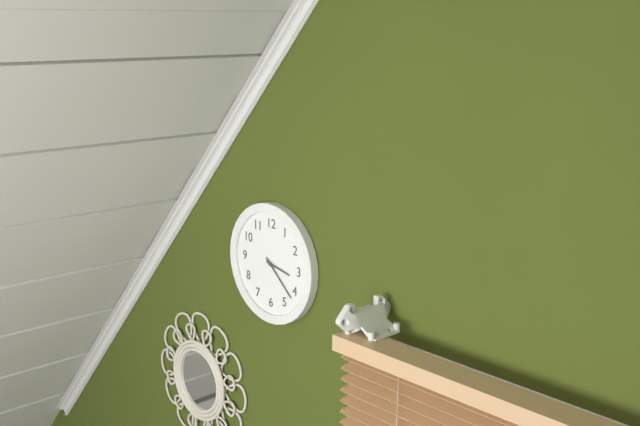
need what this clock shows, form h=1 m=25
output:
h=3 m=22
